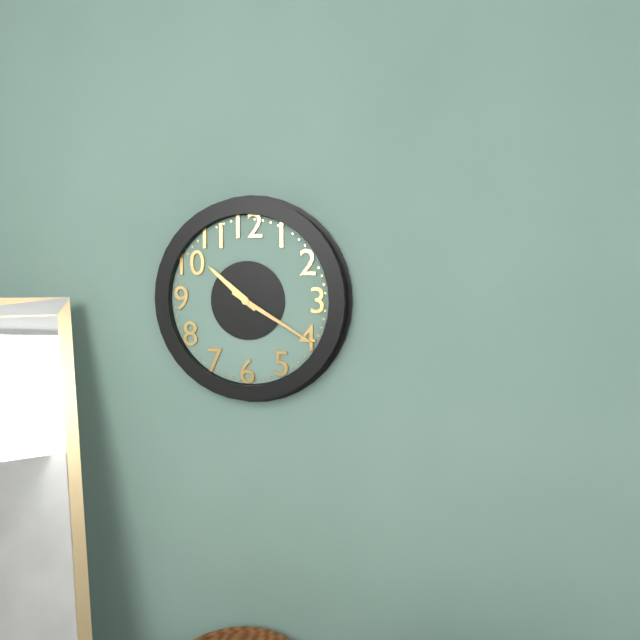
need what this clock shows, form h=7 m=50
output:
h=10 m=20
